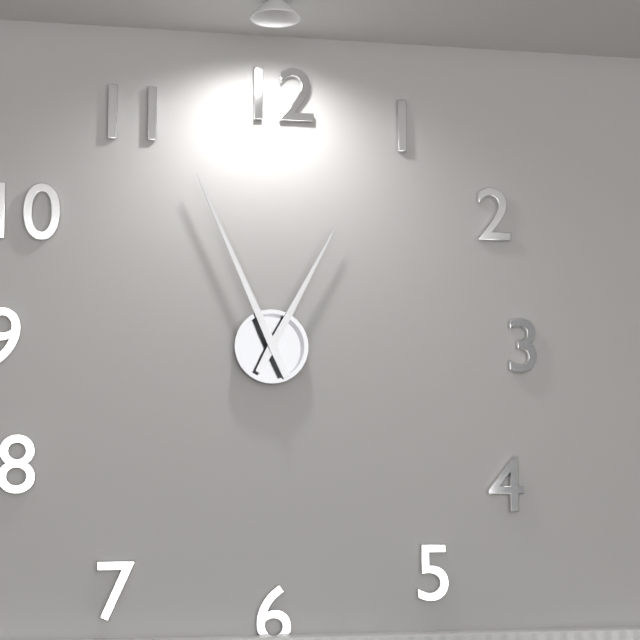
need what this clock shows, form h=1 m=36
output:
h=12 m=56
